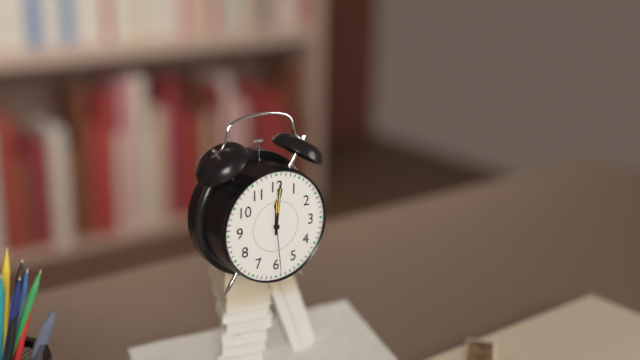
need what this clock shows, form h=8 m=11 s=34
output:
h=12 m=1 s=29
